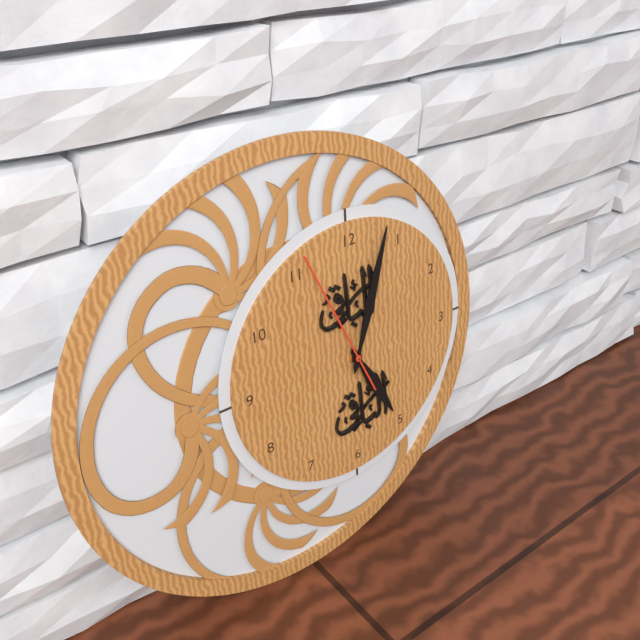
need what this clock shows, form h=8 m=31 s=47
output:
h=5 m=3 s=56
